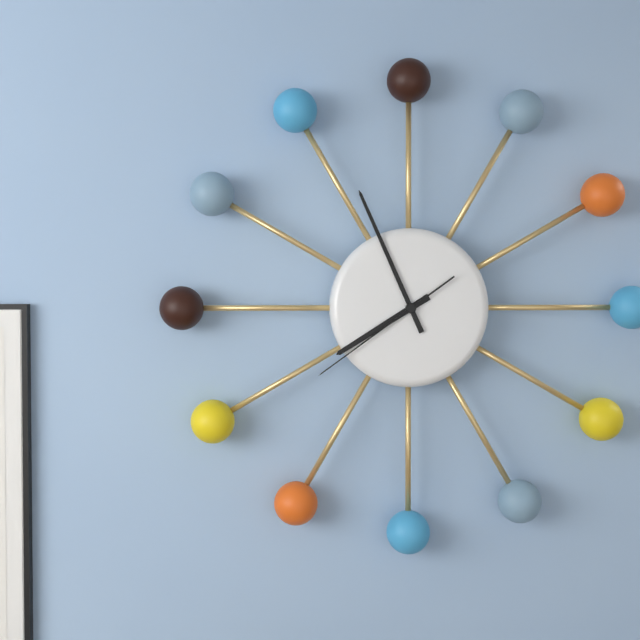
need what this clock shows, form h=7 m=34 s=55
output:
h=7 m=56 s=39
